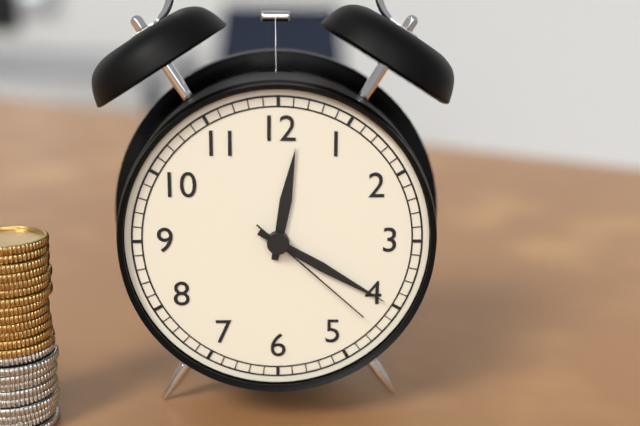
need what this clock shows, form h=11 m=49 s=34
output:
h=12 m=20 s=22
